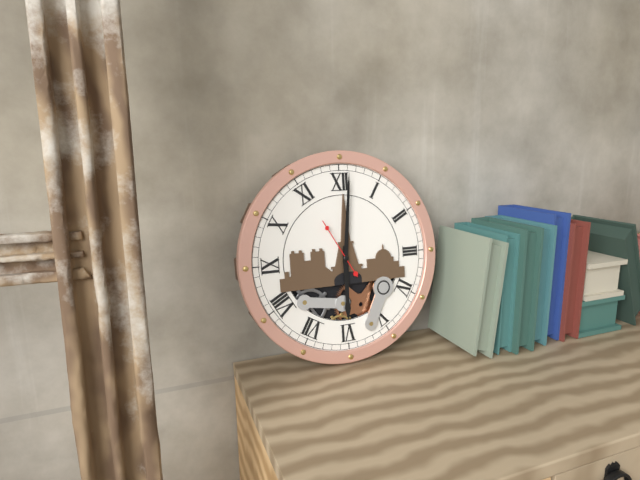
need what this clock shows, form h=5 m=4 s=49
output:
h=6 m=1 s=55
